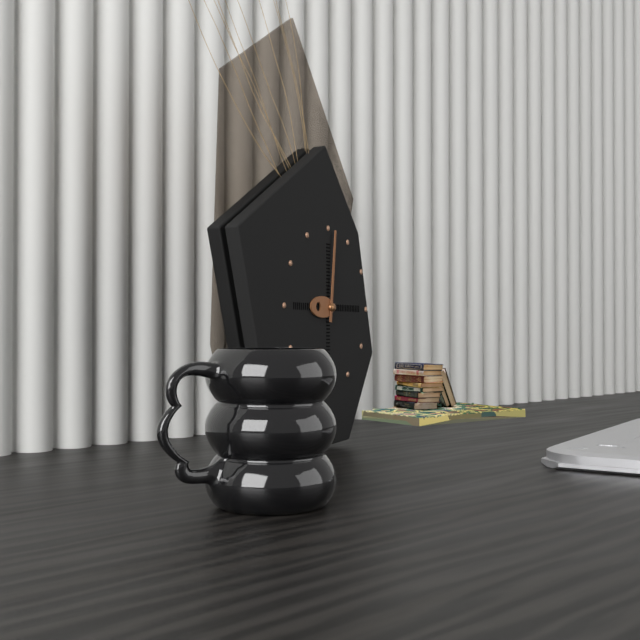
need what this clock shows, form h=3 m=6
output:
h=9 m=1
